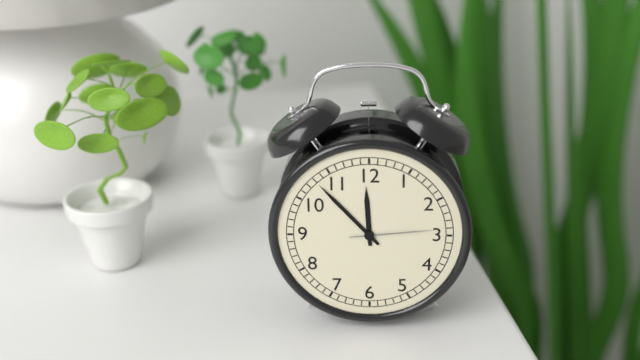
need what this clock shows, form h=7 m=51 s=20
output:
h=11 m=53 s=14
